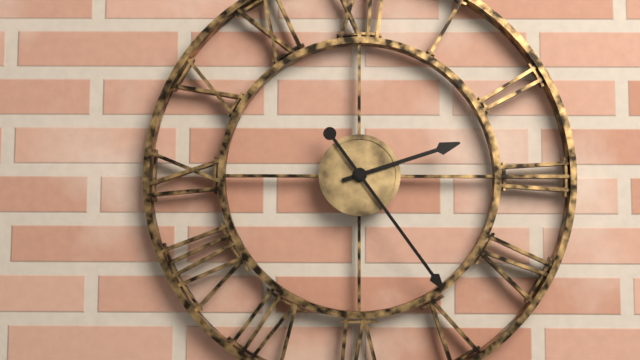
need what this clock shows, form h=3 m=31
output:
h=2 m=24
